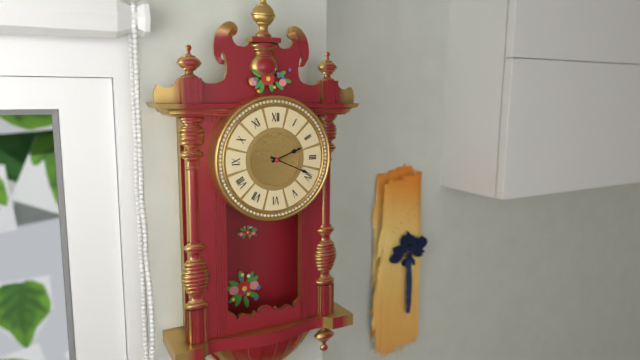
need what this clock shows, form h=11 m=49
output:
h=2 m=19
